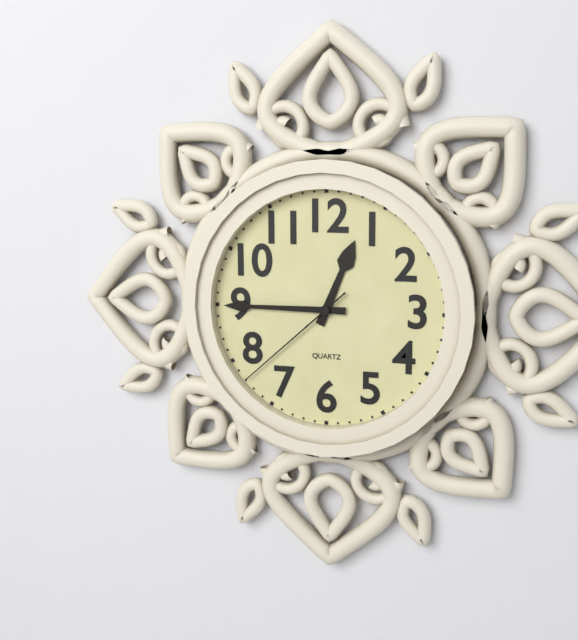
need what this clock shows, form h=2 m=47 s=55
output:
h=12 m=45 s=38
